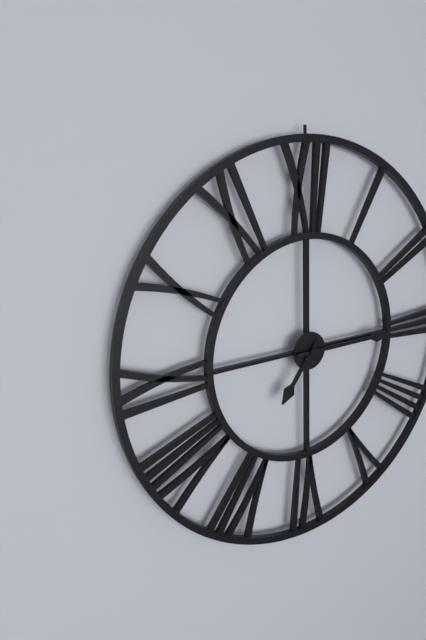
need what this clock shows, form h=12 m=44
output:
h=7 m=15
